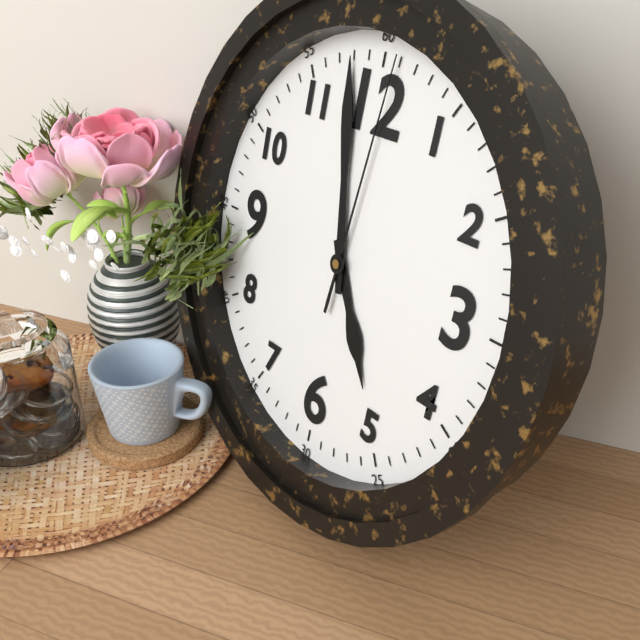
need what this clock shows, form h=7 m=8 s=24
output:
h=4 m=58 s=1
